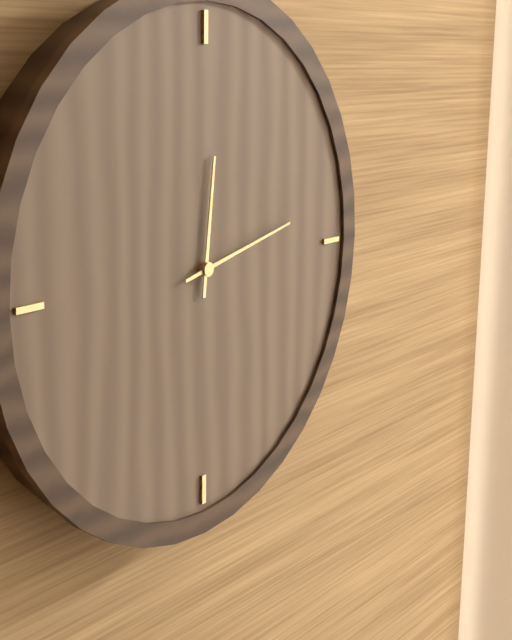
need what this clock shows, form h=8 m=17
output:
h=12 m=13
